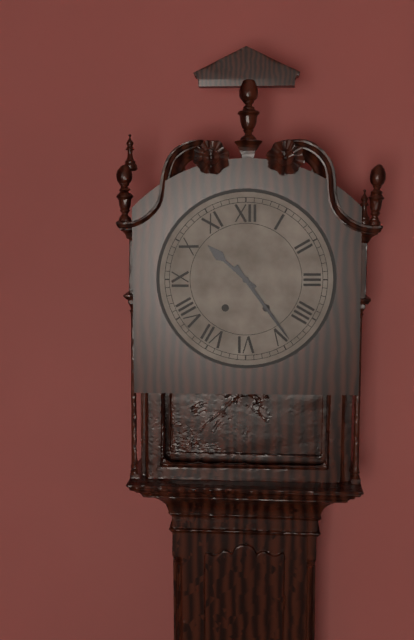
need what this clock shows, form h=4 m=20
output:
h=10 m=24
